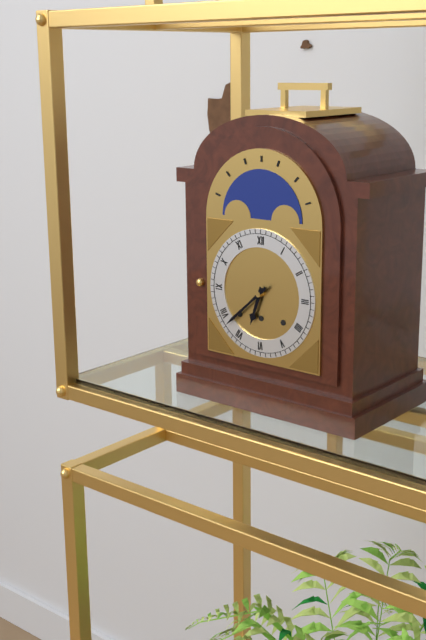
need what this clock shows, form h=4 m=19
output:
h=6 m=38
